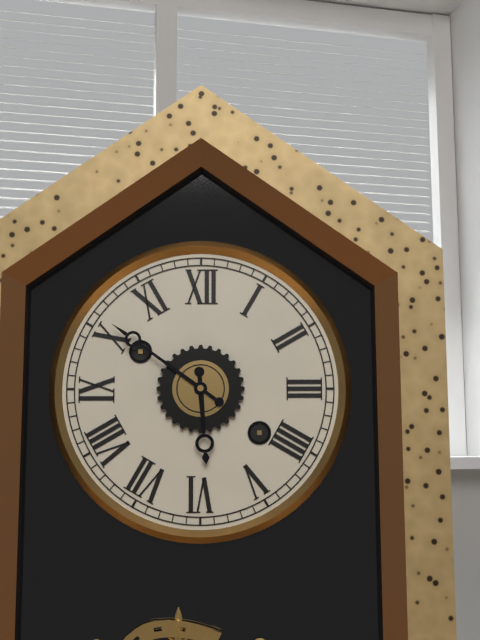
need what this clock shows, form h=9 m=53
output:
h=5 m=51
